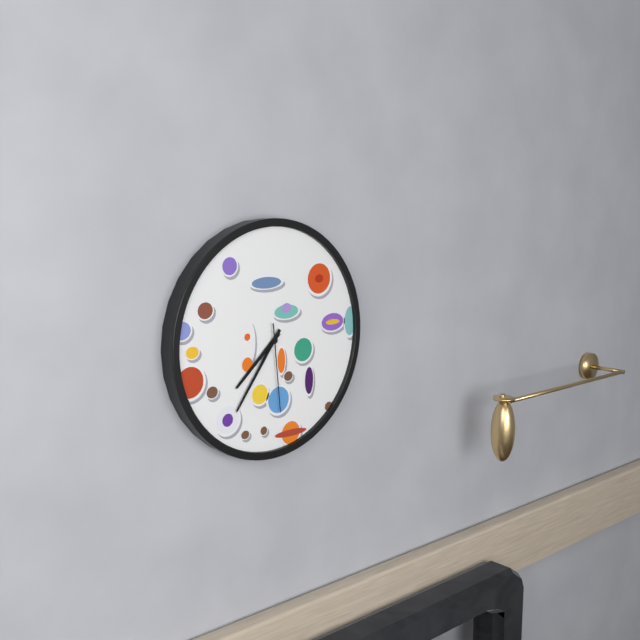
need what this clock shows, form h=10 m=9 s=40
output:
h=7 m=36 s=29
